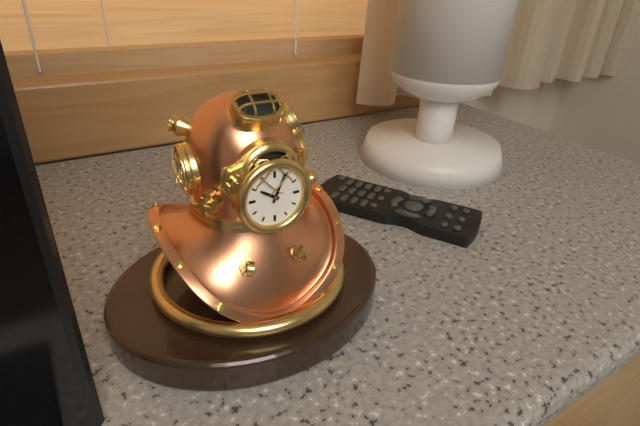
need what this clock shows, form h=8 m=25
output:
h=10 m=4
